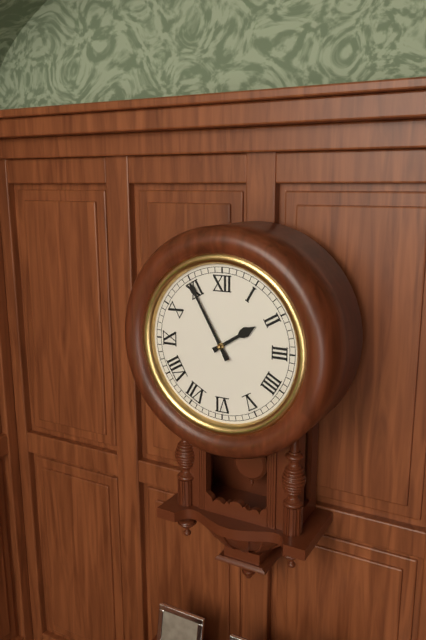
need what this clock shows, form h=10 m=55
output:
h=1 m=55
